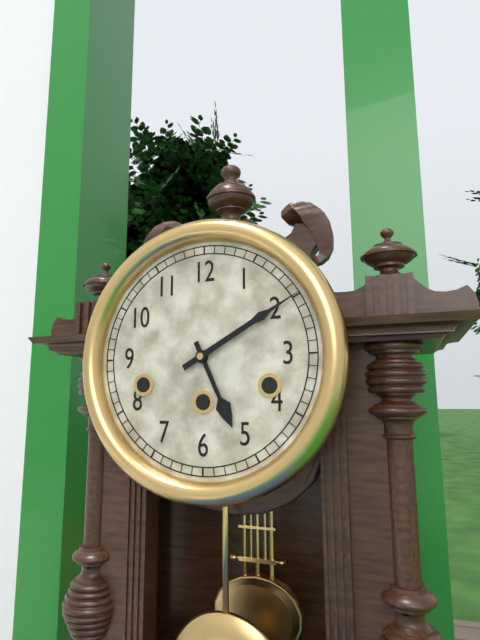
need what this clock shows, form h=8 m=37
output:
h=5 m=10
